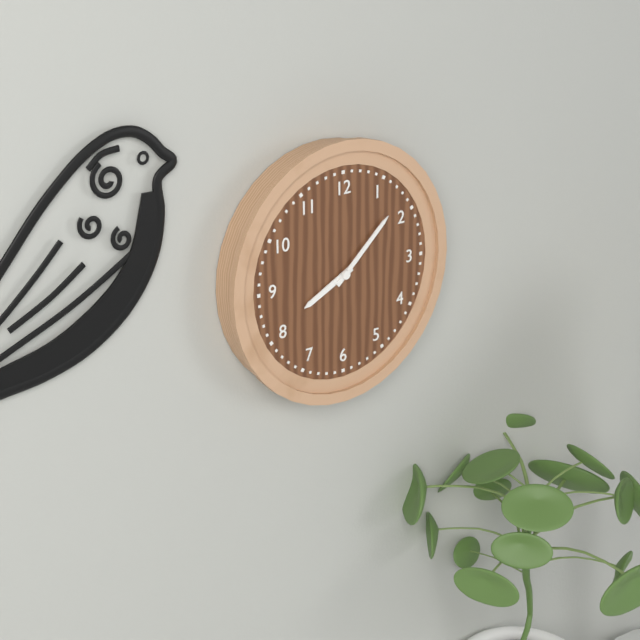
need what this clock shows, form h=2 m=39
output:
h=8 m=8
